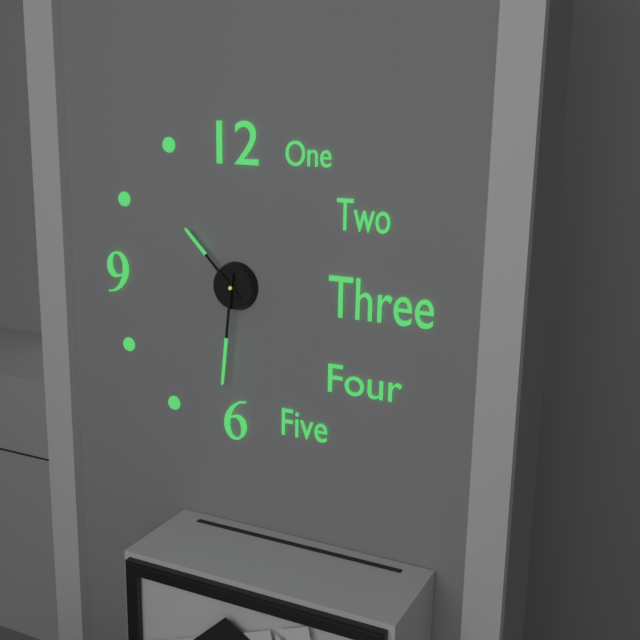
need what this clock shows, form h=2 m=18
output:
h=10 m=31
